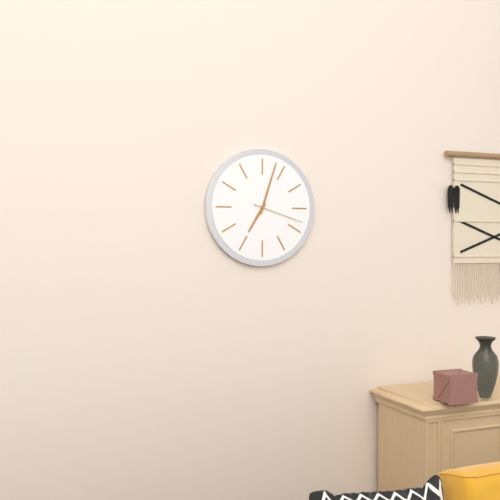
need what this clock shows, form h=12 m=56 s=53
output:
h=7 m=3 s=18
